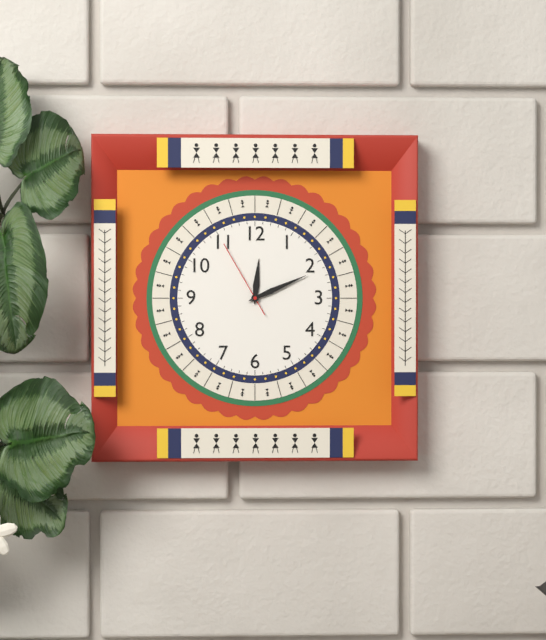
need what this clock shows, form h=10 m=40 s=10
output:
h=12 m=11 s=55
